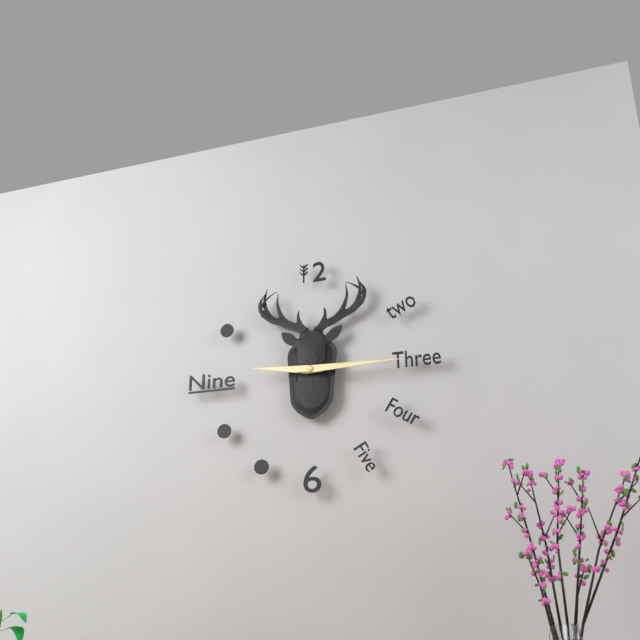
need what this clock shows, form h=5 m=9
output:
h=9 m=15
